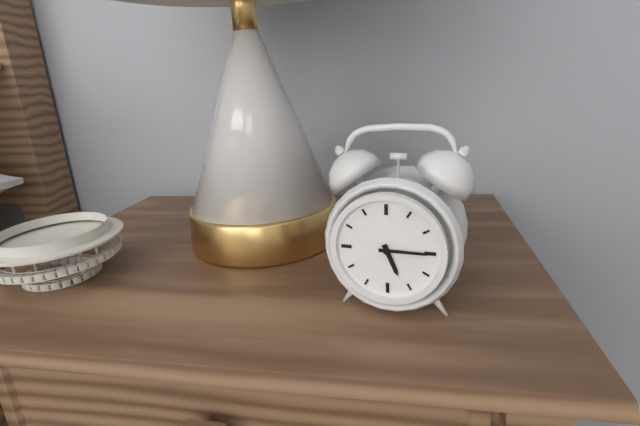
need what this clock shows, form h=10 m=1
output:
h=5 m=15
